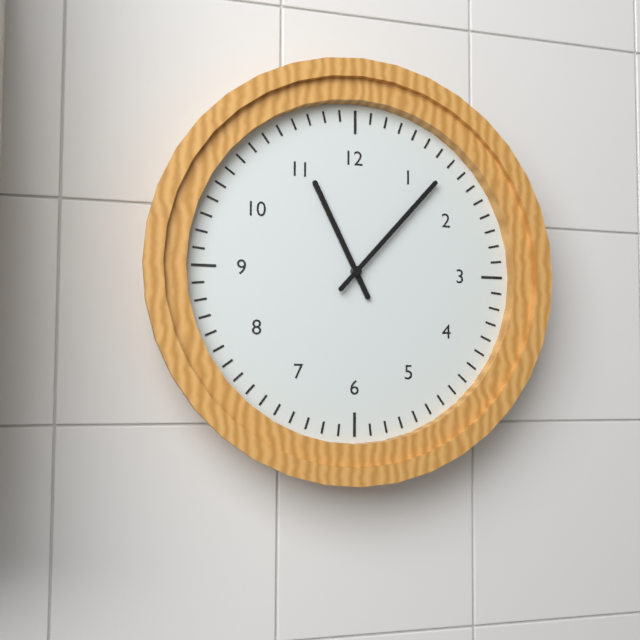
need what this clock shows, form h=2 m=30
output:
h=11 m=7
